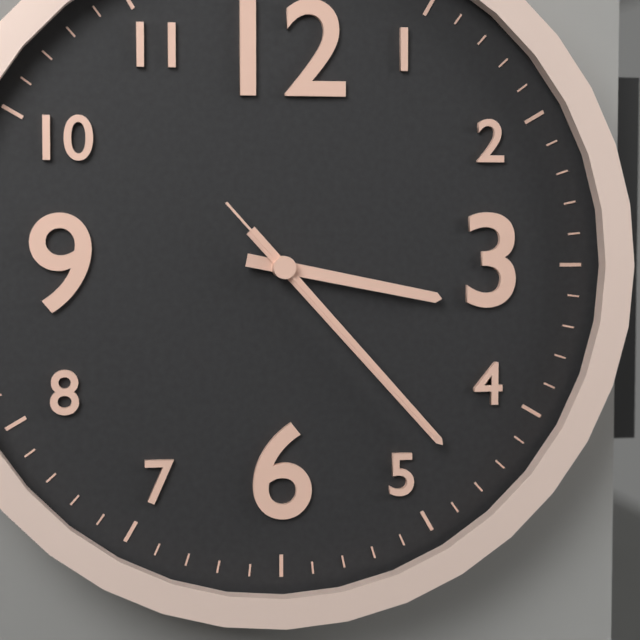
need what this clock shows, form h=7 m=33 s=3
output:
h=3 m=23 s=23
